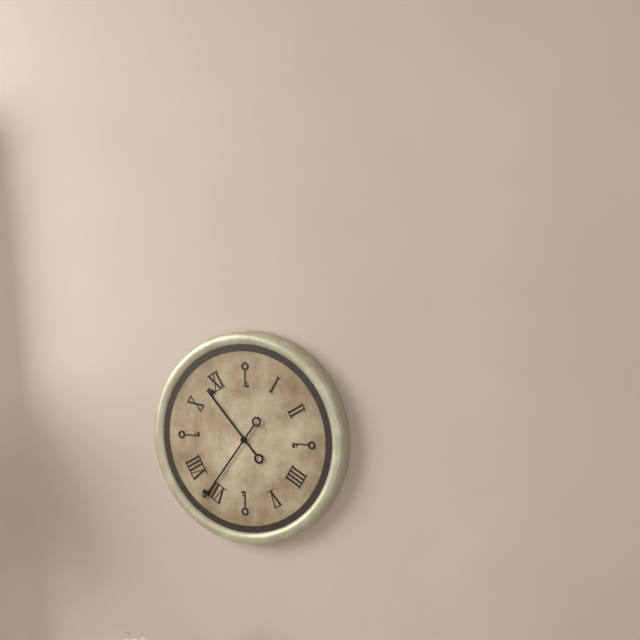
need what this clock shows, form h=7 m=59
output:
h=10 m=36
